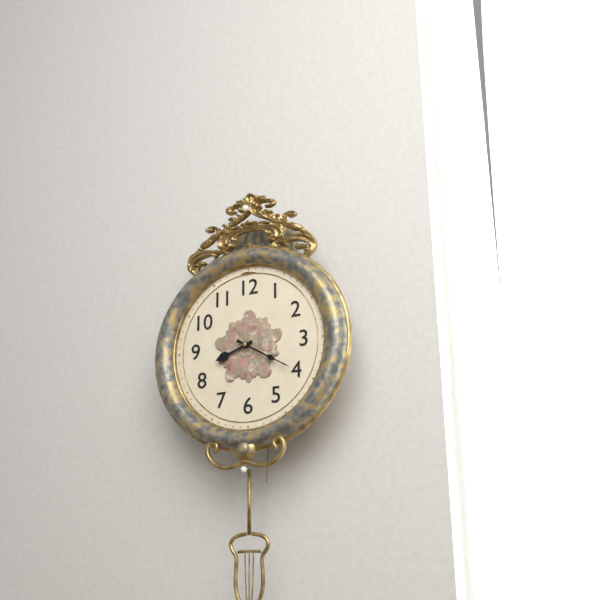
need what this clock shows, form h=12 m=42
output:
h=8 m=20
